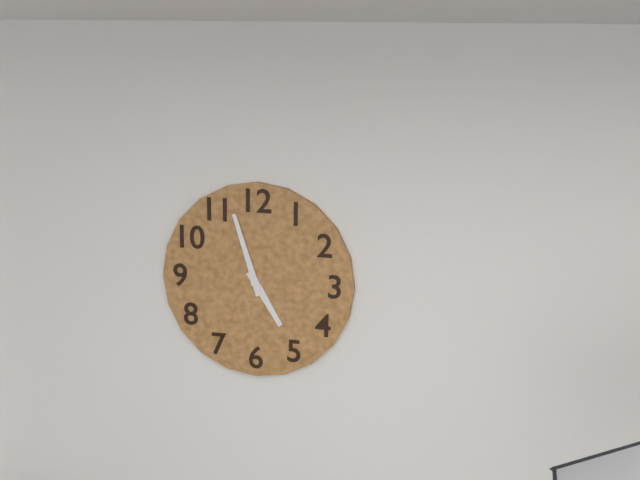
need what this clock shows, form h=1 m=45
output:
h=4 m=57
